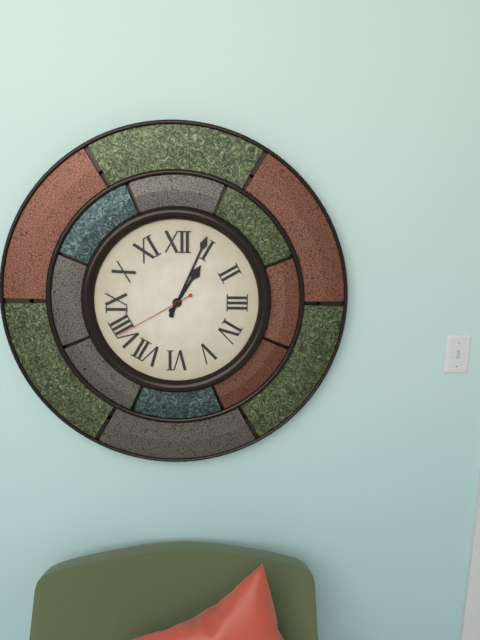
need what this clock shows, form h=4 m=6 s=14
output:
h=1 m=4 s=40
